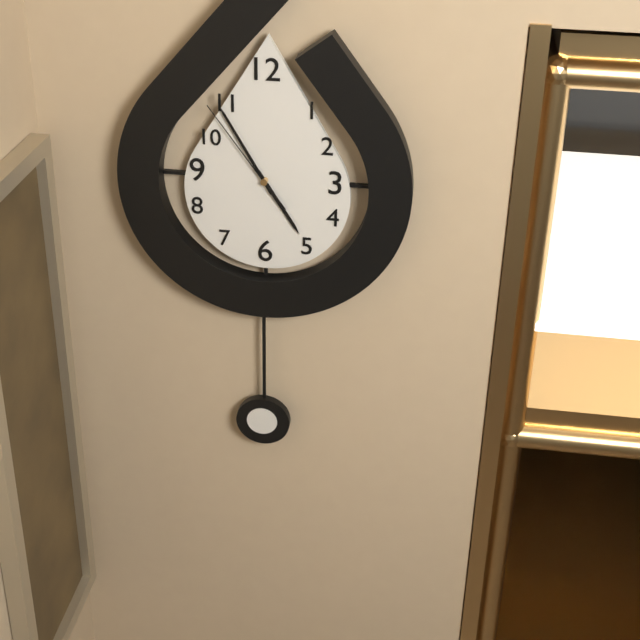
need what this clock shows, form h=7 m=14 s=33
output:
h=4 m=55 s=54
